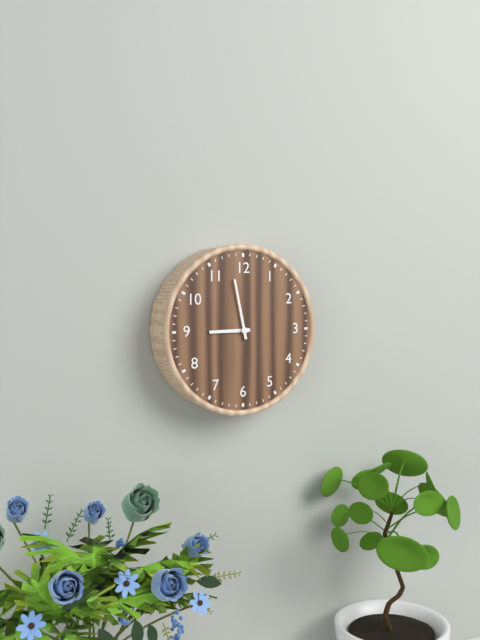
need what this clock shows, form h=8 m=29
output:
h=8 m=58
